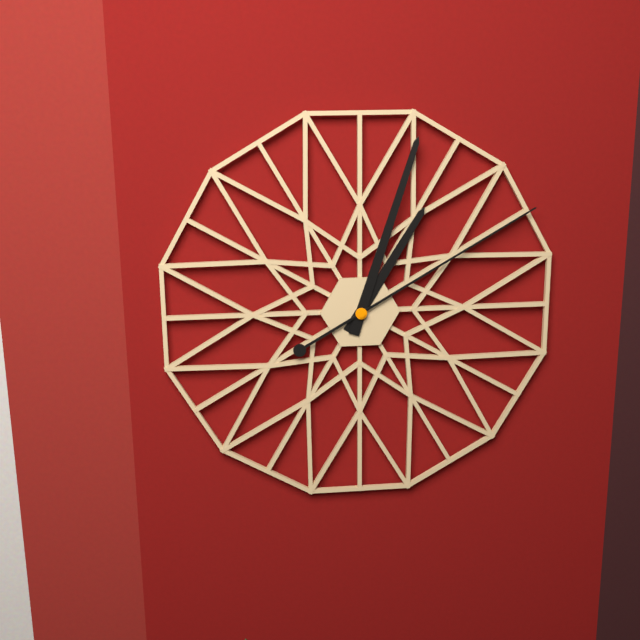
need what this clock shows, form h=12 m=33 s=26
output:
h=1 m=3 s=10
